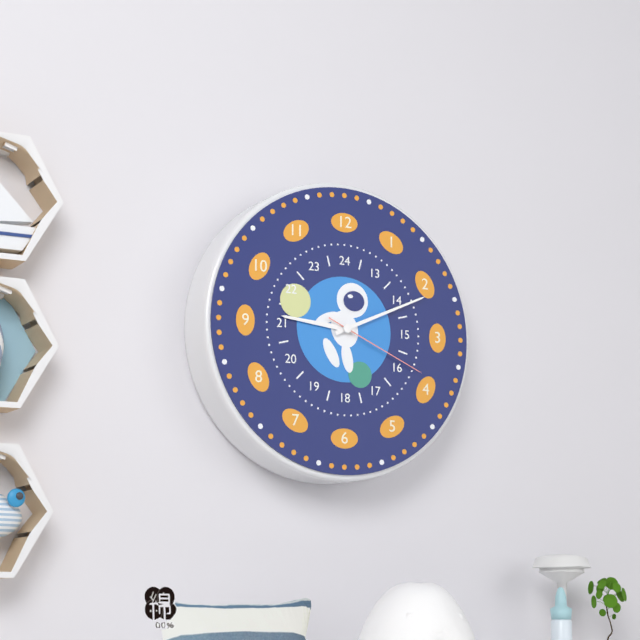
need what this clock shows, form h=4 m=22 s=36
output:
h=9 m=11 s=19
